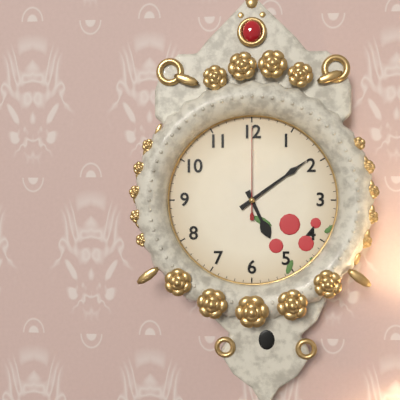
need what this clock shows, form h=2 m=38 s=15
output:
h=5 m=9 s=0
